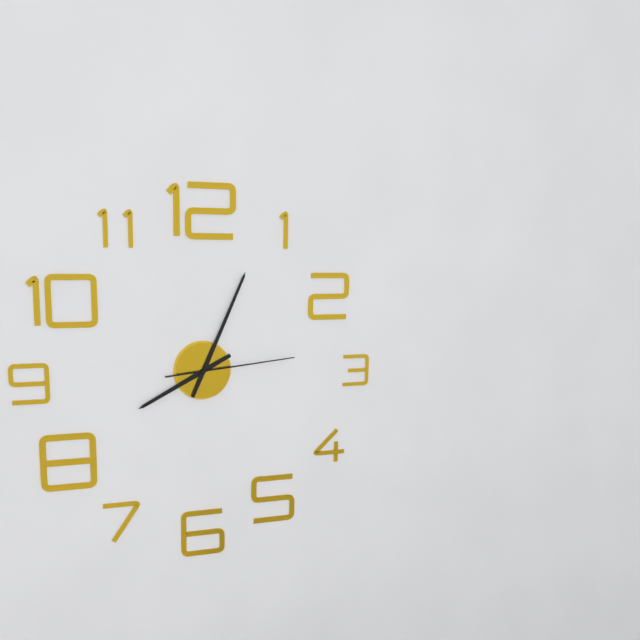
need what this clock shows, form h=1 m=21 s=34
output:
h=8 m=4 s=14
